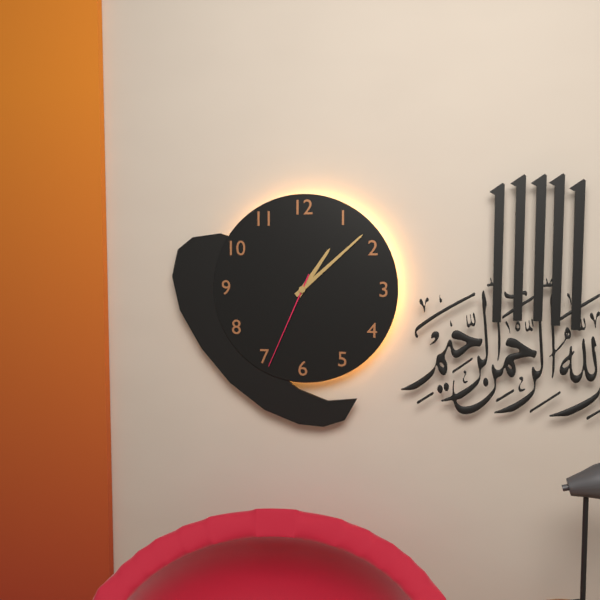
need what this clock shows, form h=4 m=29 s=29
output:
h=1 m=8 s=34
